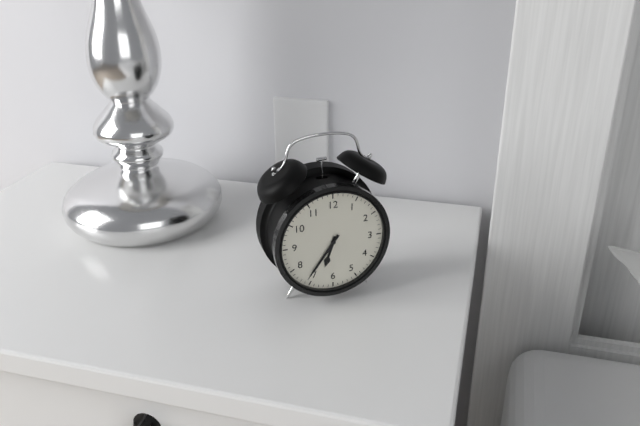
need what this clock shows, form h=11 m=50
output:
h=6 m=36
